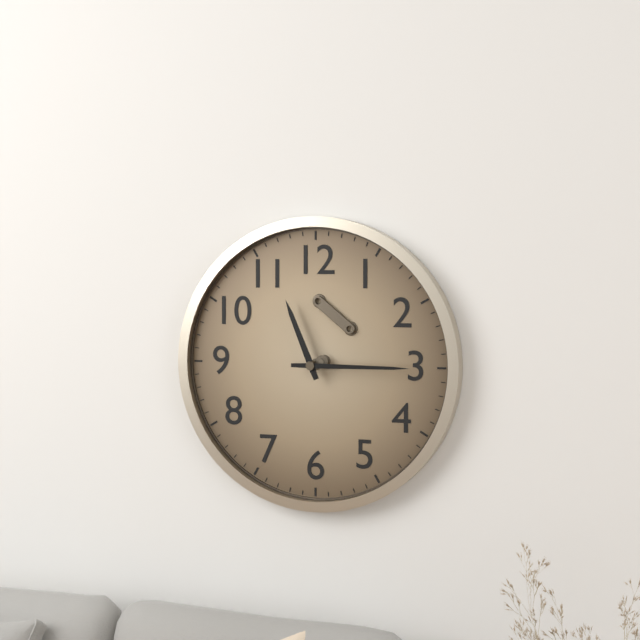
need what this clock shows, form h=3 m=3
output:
h=11 m=15
